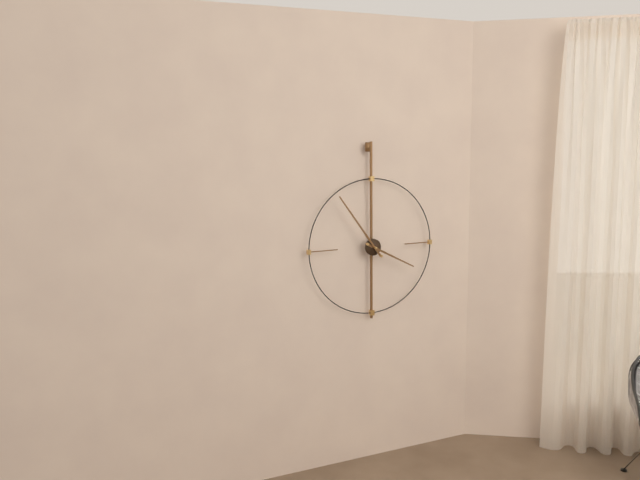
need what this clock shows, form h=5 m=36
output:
h=3 m=54
